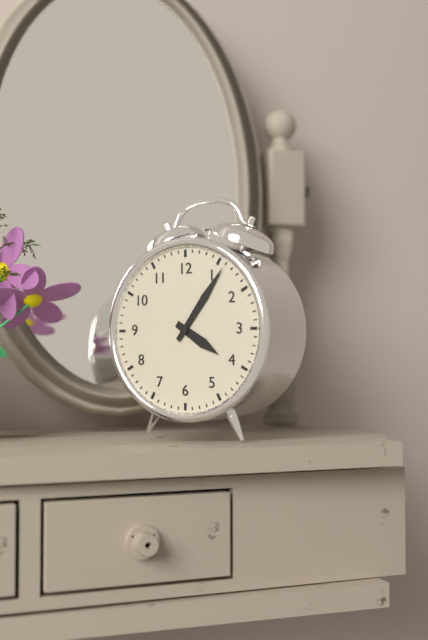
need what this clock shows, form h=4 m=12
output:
h=4 m=6
